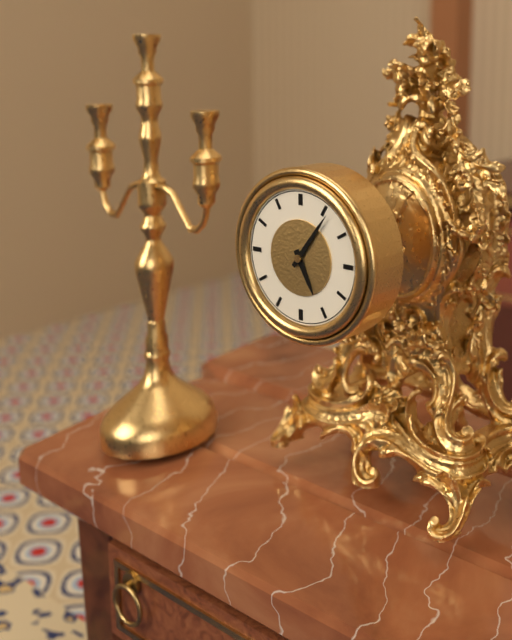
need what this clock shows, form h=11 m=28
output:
h=5 m=6
